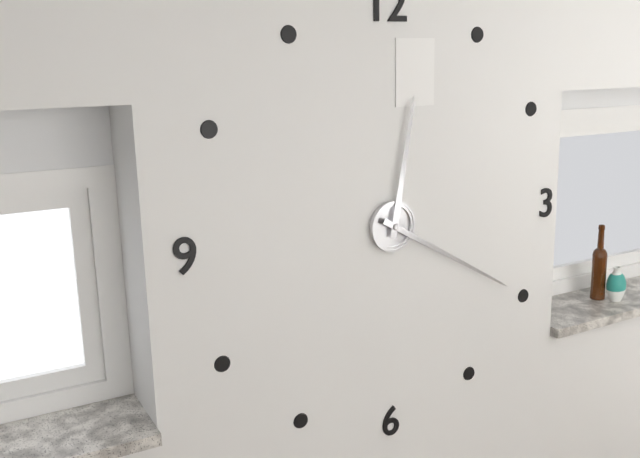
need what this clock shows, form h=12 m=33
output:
h=12 m=20
